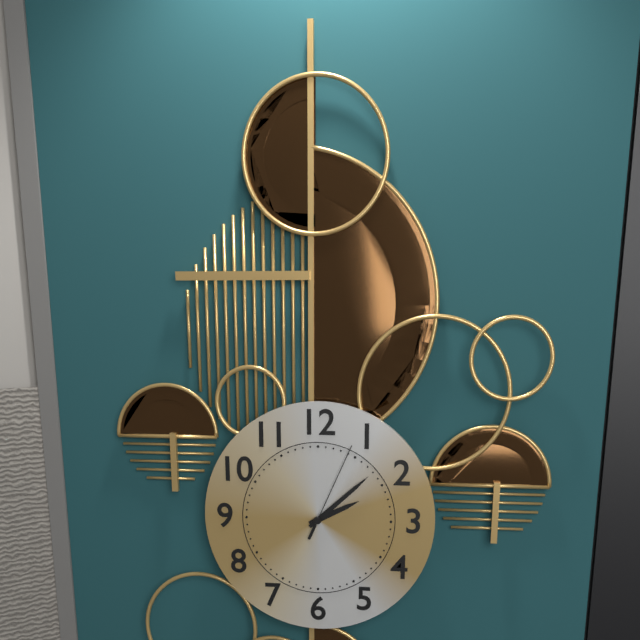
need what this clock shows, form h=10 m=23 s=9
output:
h=2 m=8 s=4
